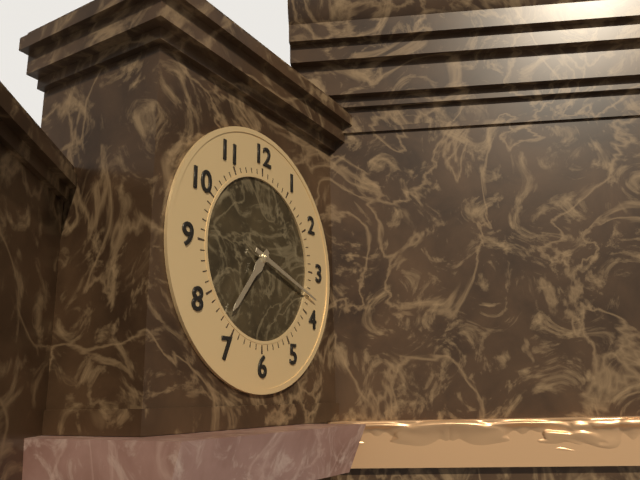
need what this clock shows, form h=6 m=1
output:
h=7 m=18
